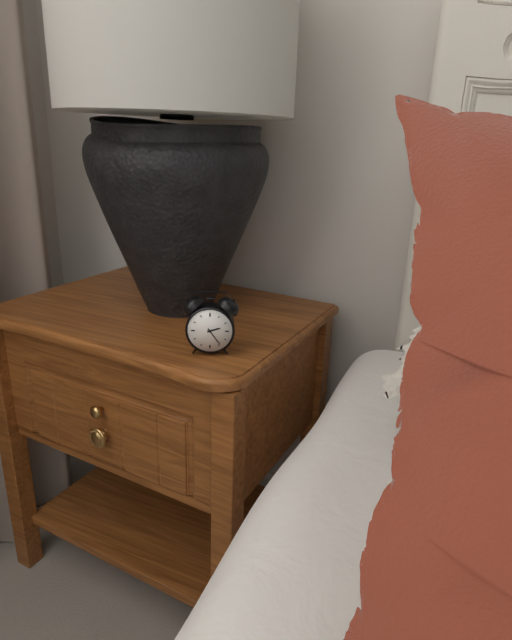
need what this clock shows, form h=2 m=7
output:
h=2 m=24
